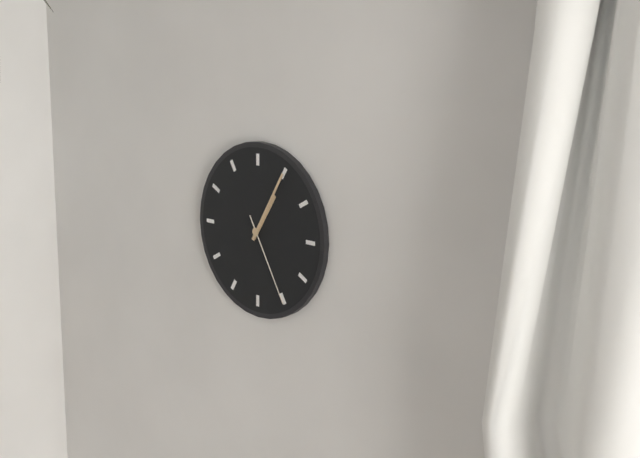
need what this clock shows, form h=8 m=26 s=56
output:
h=1 m=5 s=25
